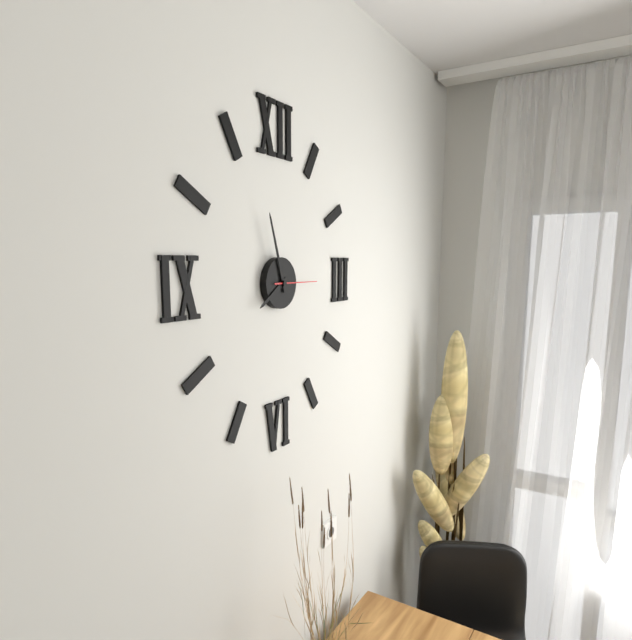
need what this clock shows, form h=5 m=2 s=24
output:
h=7 m=57 s=15
